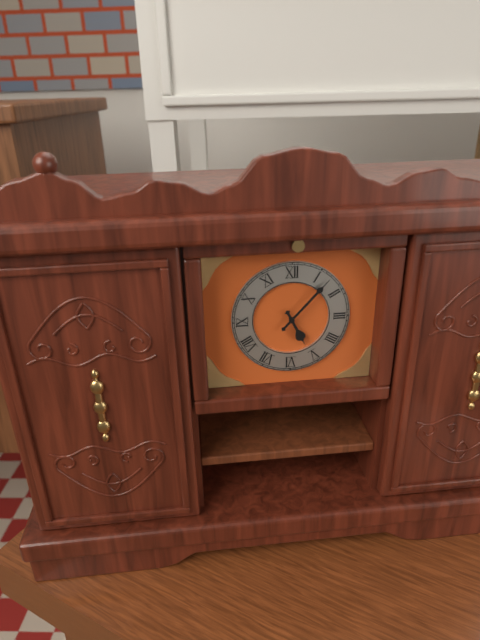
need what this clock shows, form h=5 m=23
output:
h=5 m=7
